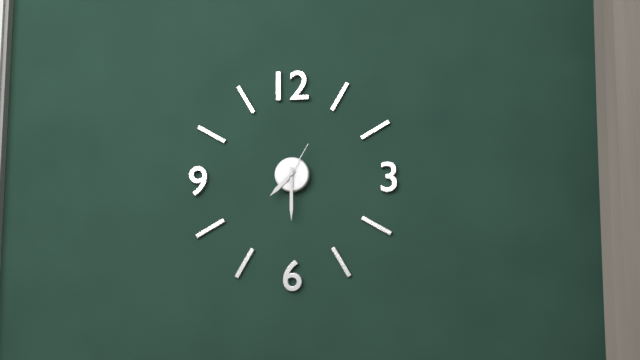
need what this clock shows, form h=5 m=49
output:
h=7 m=30
